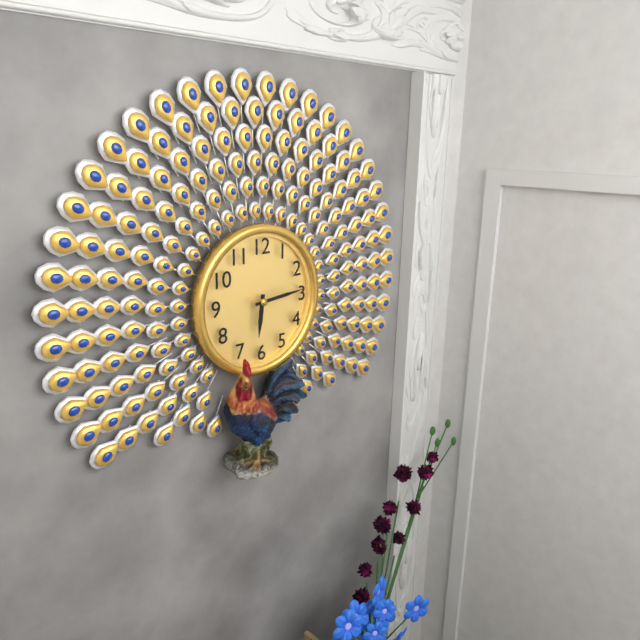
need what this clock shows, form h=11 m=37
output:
h=6 m=14
